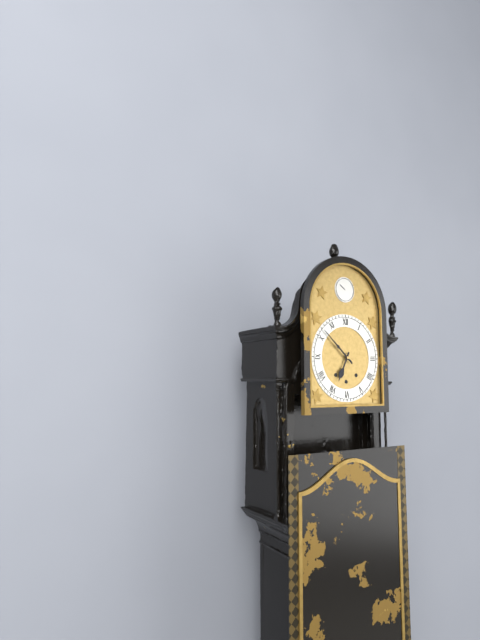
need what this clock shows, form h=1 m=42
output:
h=6 m=52
